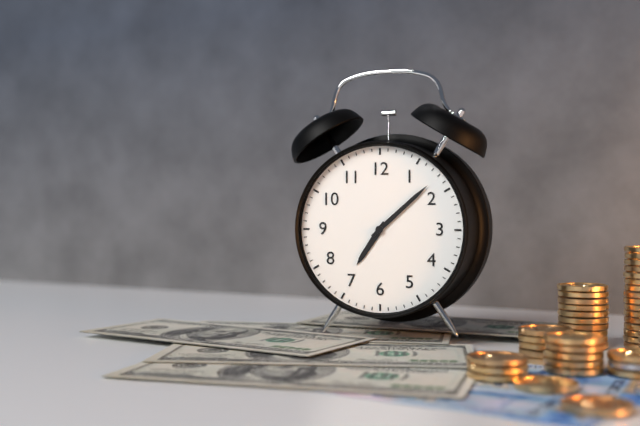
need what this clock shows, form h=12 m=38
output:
h=7 m=8
